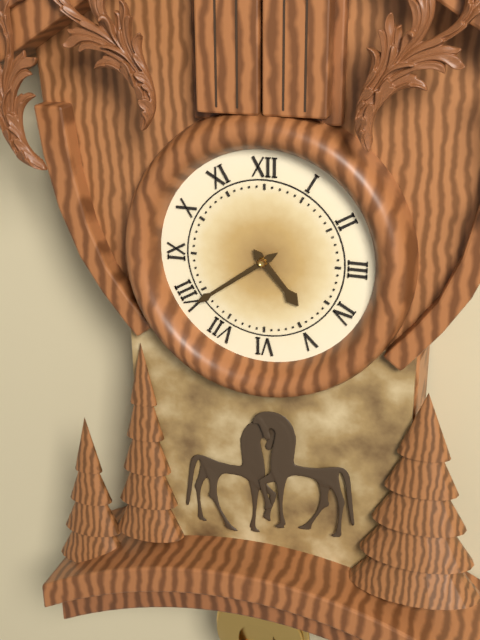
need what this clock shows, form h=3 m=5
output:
h=4 m=39
